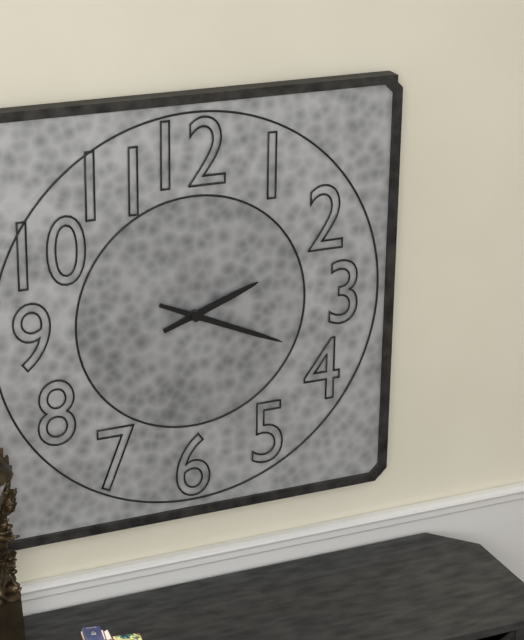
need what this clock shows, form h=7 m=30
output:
h=2 m=19
